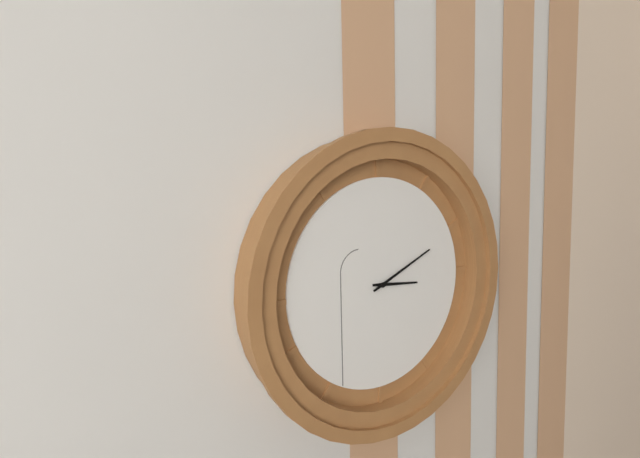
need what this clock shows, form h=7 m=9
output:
h=3 m=11
